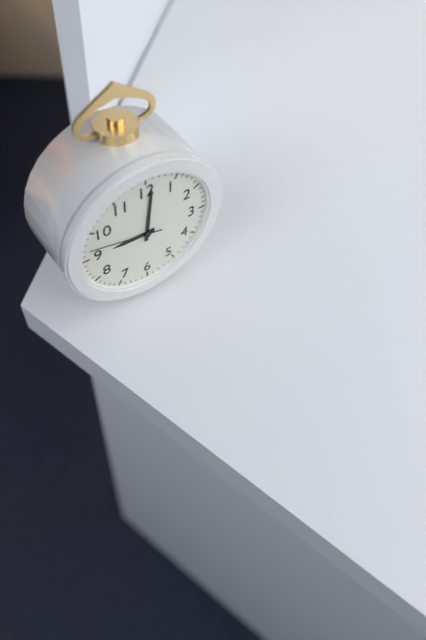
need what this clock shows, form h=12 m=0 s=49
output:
h=9 m=1 s=47
